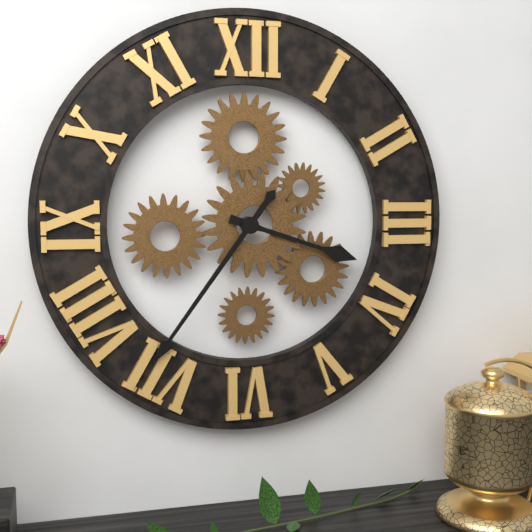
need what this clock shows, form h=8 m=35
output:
h=3 m=36
